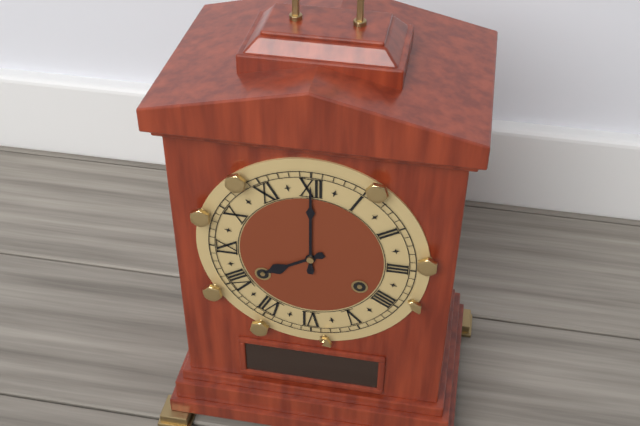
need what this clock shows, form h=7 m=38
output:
h=8 m=0
